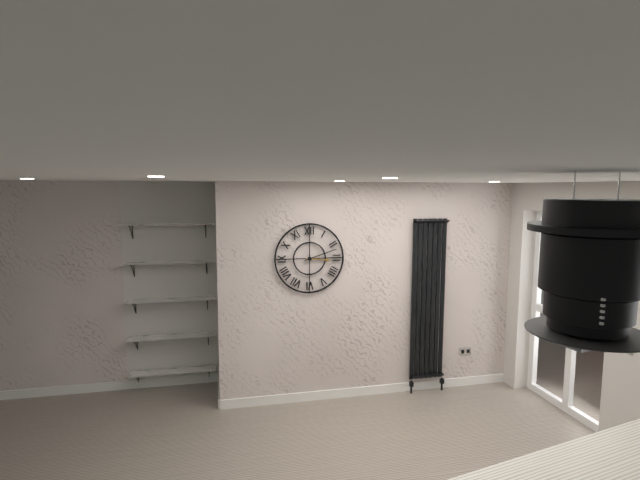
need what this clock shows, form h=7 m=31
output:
h=3 m=12
